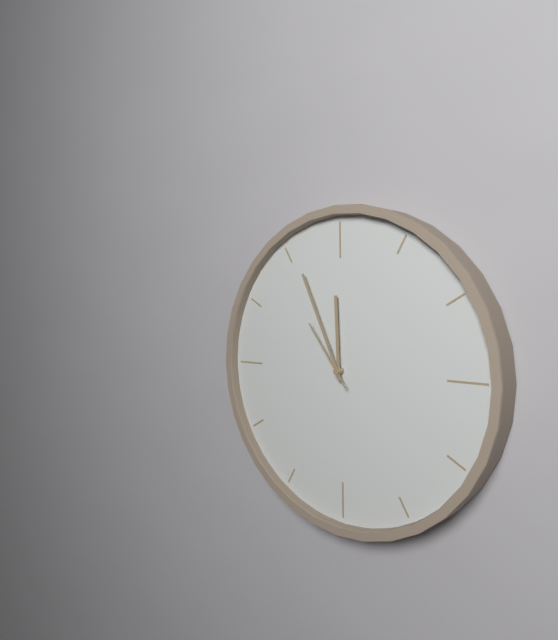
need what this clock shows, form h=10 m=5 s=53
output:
h=11 m=56 s=54
